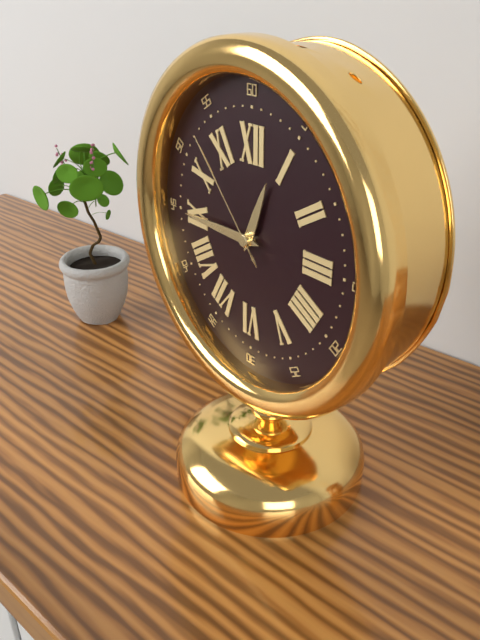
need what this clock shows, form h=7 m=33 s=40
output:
h=12 m=45 s=53
